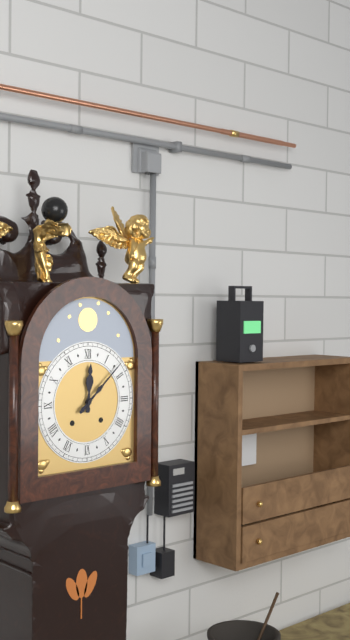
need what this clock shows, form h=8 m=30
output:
h=12 m=8
